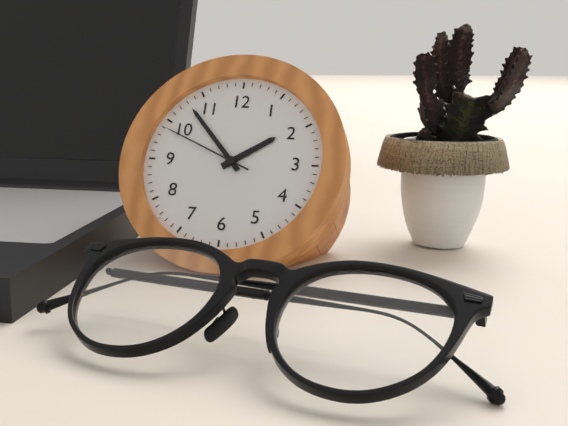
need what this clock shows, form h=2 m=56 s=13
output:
h=1 m=53 s=49
